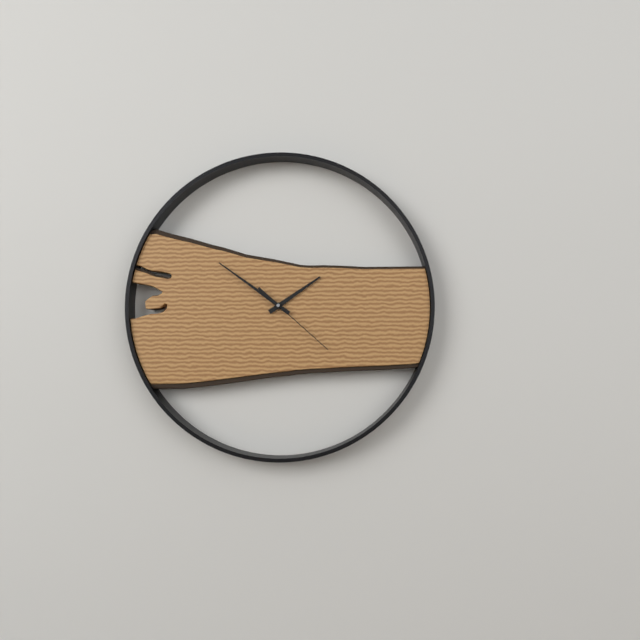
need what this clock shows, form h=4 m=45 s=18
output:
h=1 m=51 s=22
